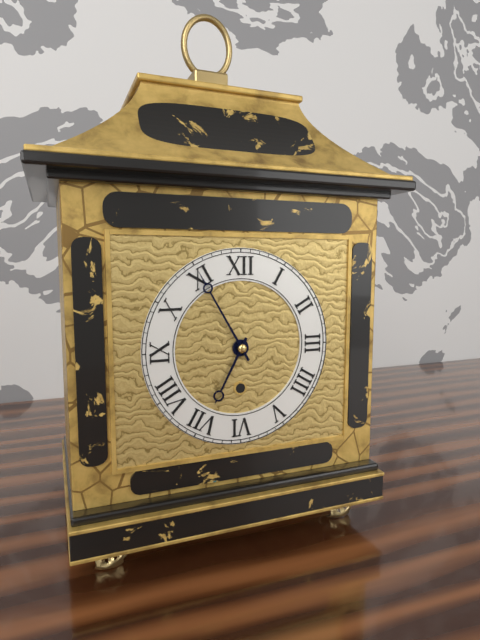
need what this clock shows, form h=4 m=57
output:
h=6 m=55
